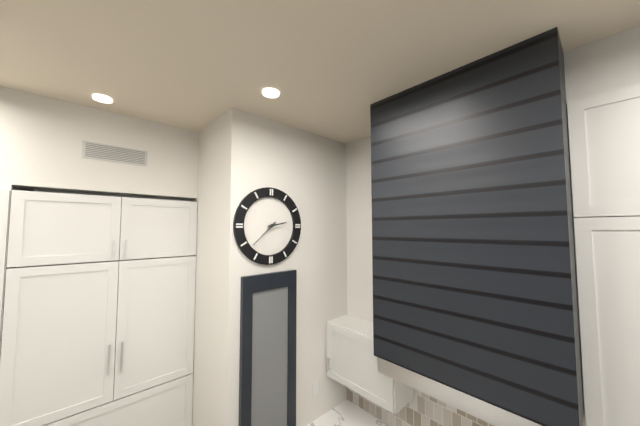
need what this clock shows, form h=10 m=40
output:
h=2 m=38
